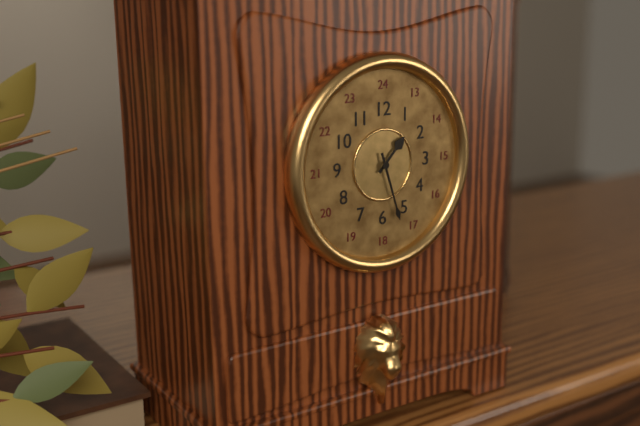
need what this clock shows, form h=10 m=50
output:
h=1 m=27
